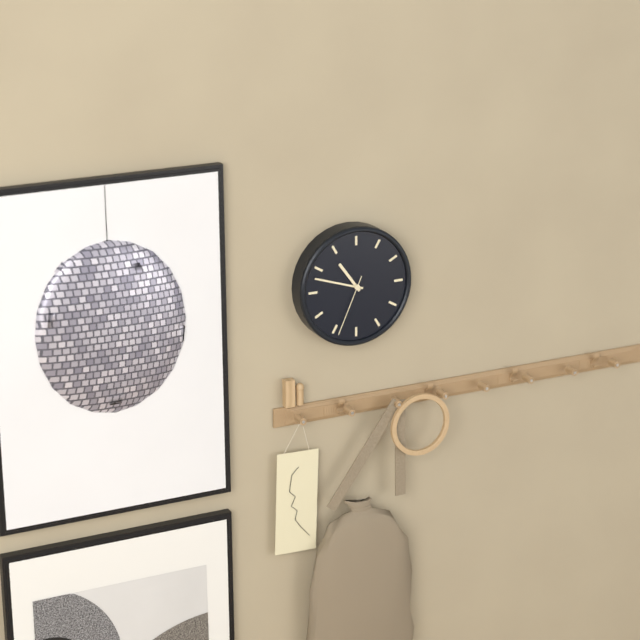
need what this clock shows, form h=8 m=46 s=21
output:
h=10 m=48 s=34
